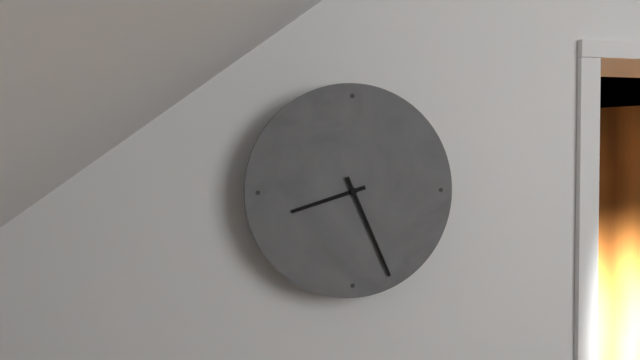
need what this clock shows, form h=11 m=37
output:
h=8 m=26
